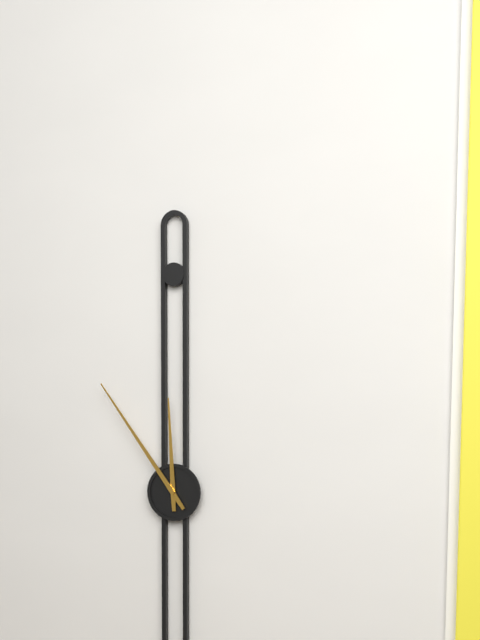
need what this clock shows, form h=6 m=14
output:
h=11 m=54
